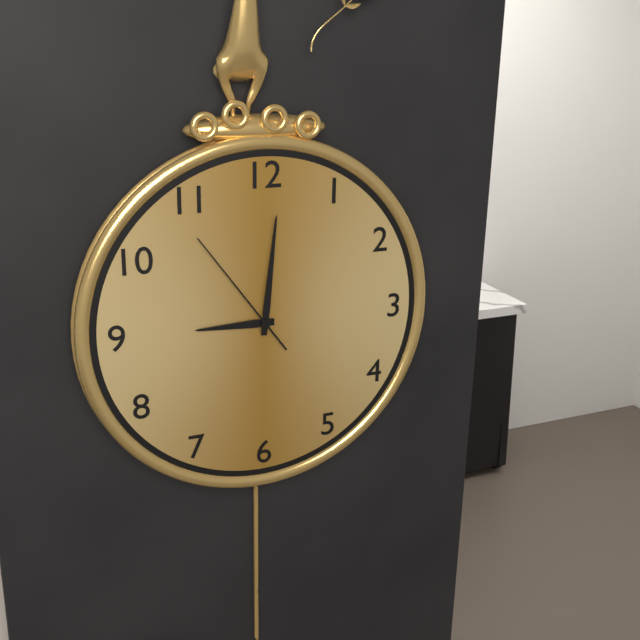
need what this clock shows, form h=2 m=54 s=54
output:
h=9 m=1 s=54
